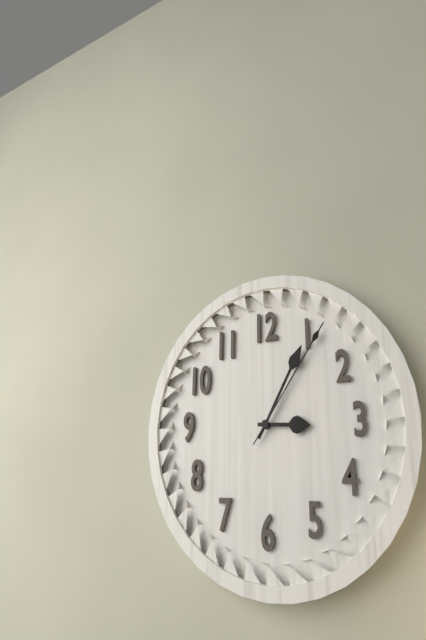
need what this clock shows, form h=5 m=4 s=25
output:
h=3 m=5 s=6
